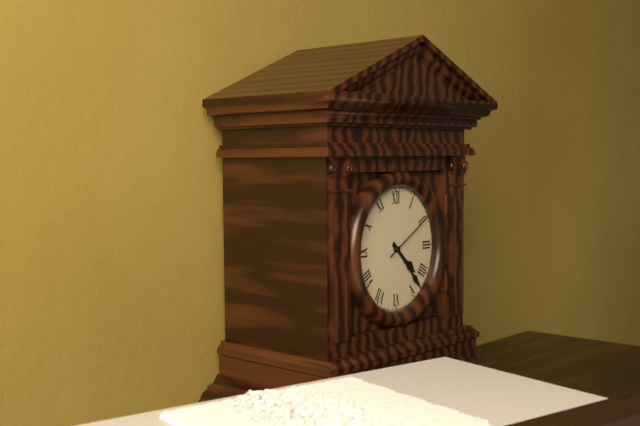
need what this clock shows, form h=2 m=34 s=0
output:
h=4 m=23 s=10
